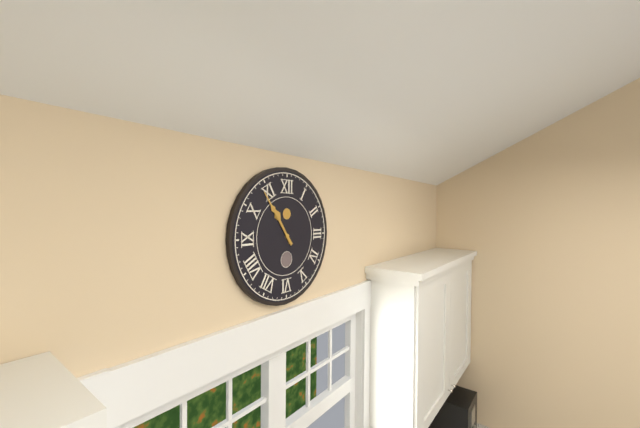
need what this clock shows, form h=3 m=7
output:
h=10 m=54
